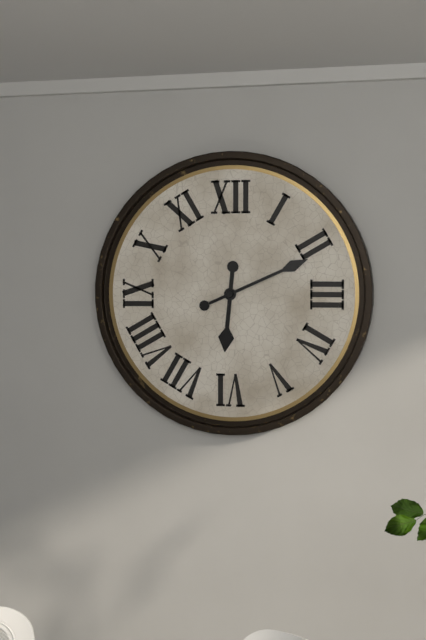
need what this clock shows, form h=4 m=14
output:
h=6 m=11
